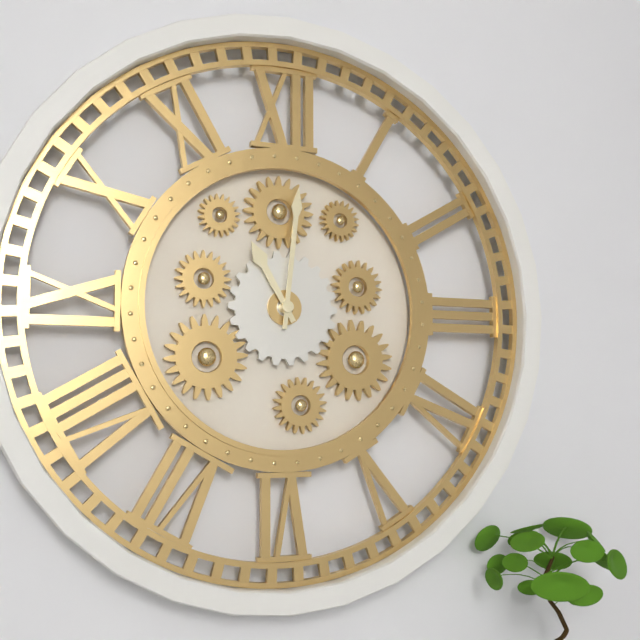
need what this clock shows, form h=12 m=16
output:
h=11 m=1
